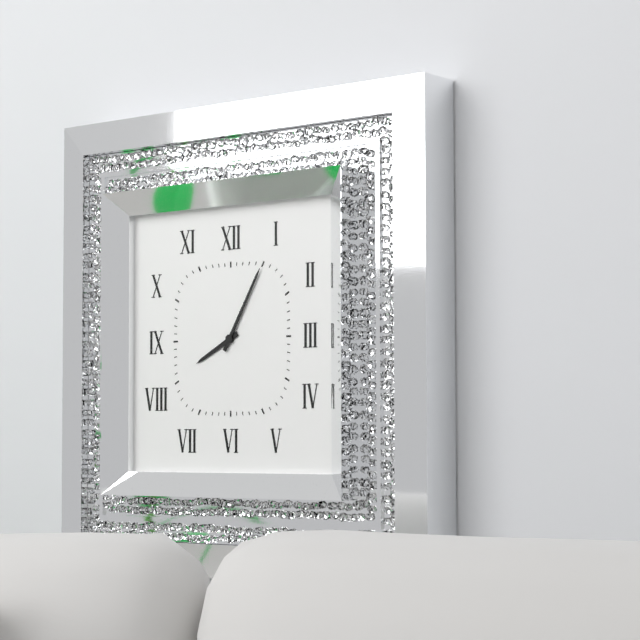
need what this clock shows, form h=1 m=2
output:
h=8 m=5
